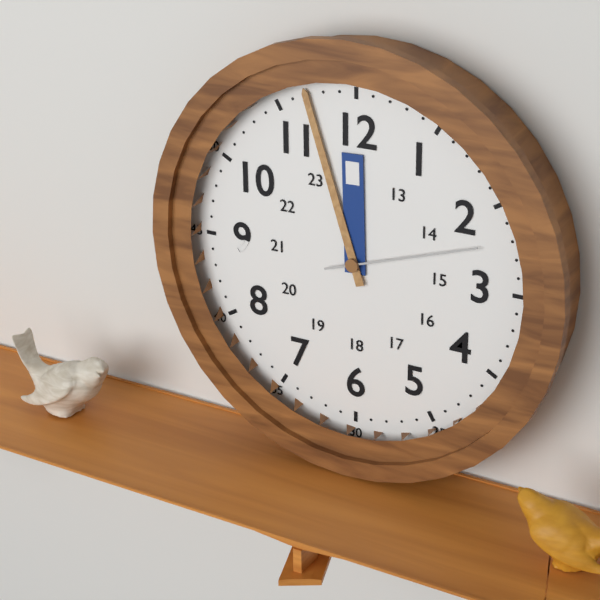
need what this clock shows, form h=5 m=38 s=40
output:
h=11 m=57 s=12
